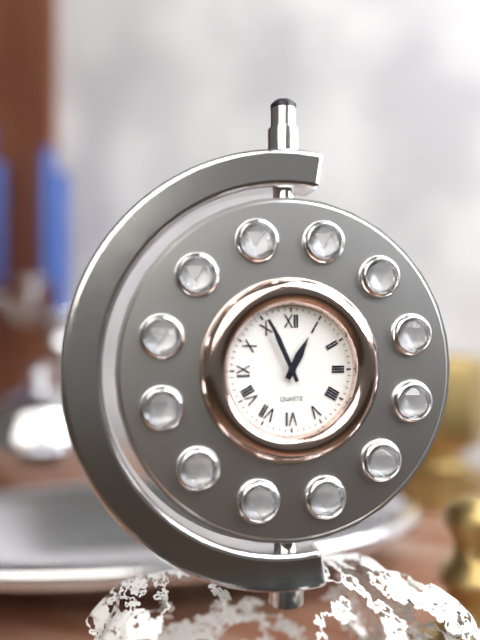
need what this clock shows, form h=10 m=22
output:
h=12 m=56
